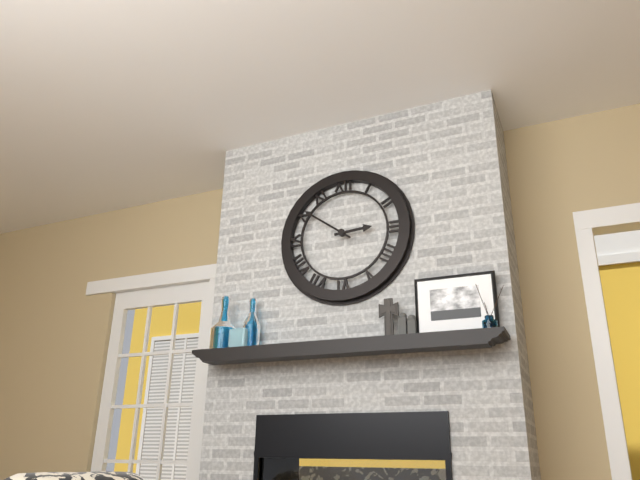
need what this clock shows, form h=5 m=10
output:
h=2 m=51
